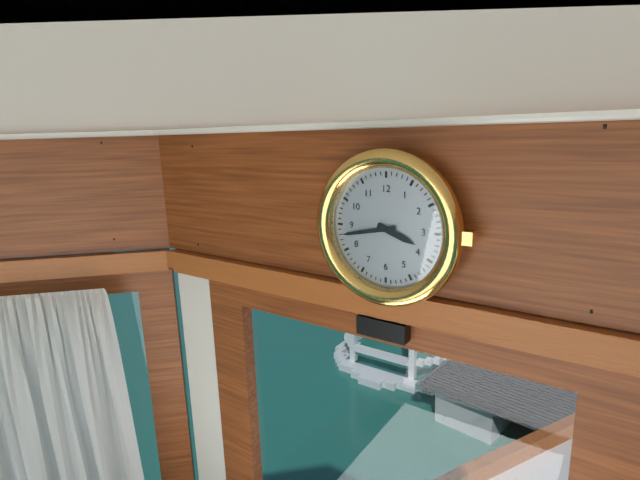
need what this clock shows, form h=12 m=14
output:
h=3 m=43
